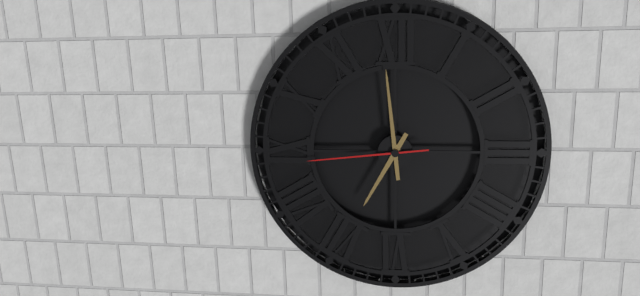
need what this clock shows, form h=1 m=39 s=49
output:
h=6 m=59 s=44
